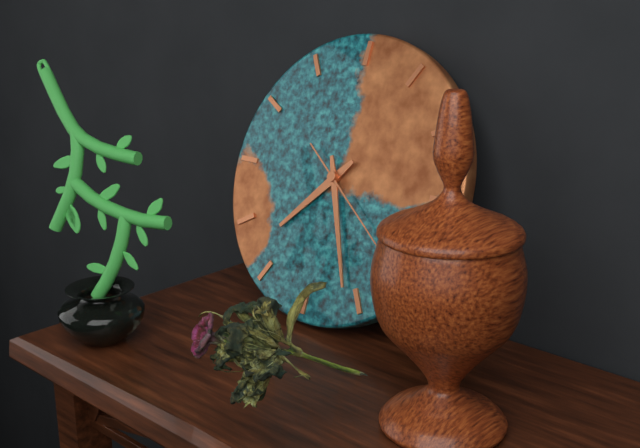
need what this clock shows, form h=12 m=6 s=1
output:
h=7 m=26 s=21
